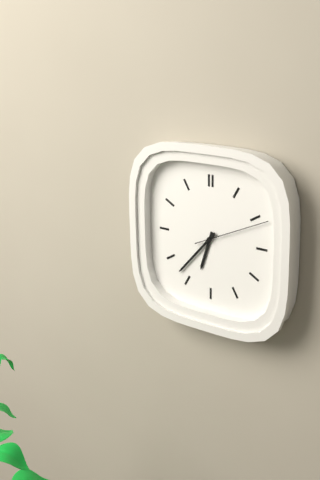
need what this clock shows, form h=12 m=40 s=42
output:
h=6 m=37 s=11
